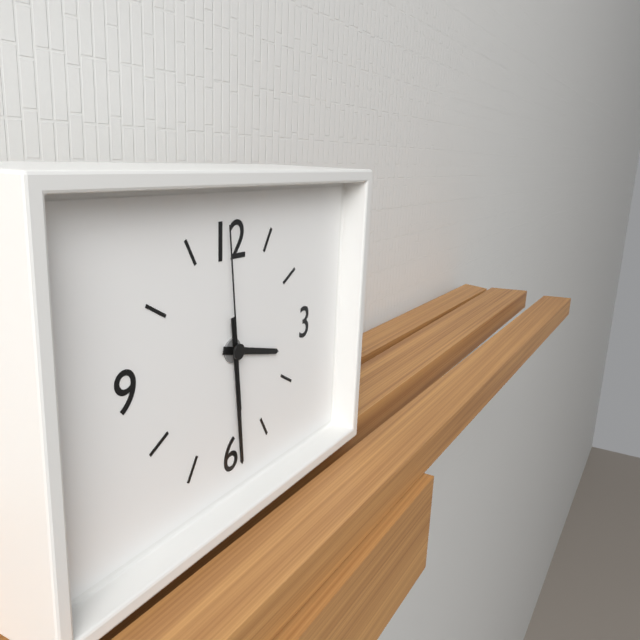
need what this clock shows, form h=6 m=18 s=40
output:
h=3 m=29 s=59
